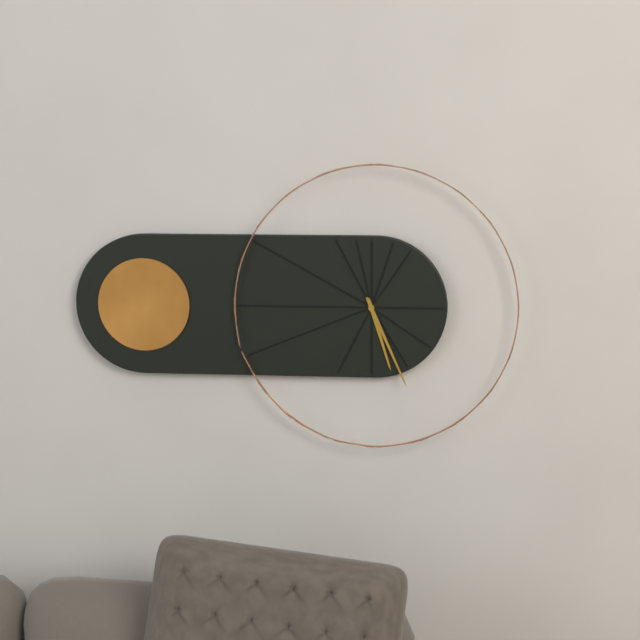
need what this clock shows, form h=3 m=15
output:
h=5 m=26
